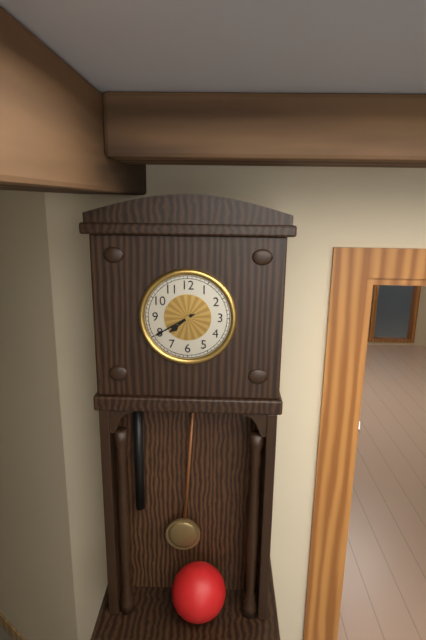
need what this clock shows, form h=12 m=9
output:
h=7 m=40
